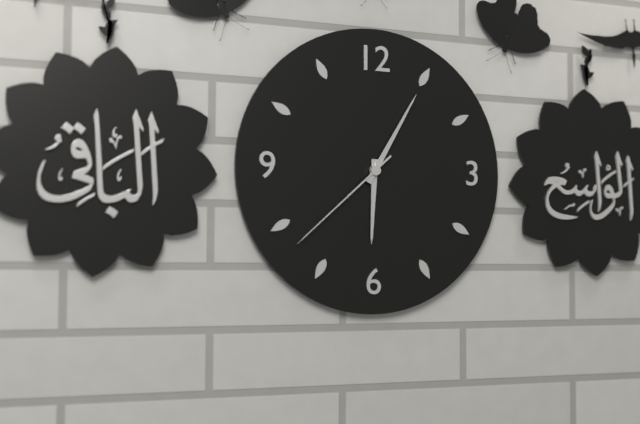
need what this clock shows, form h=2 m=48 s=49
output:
h=6 m=5 s=38
